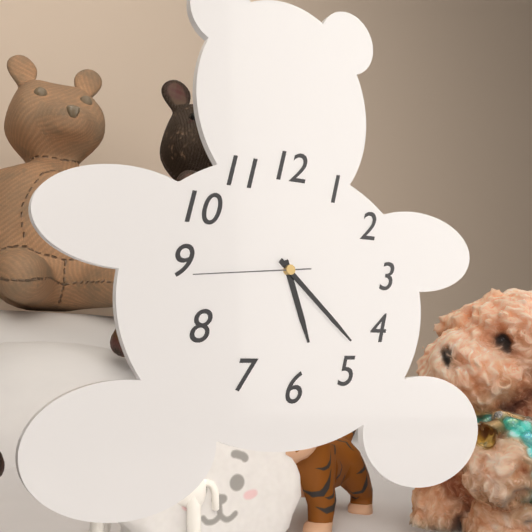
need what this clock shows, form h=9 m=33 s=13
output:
h=5 m=22 s=44
